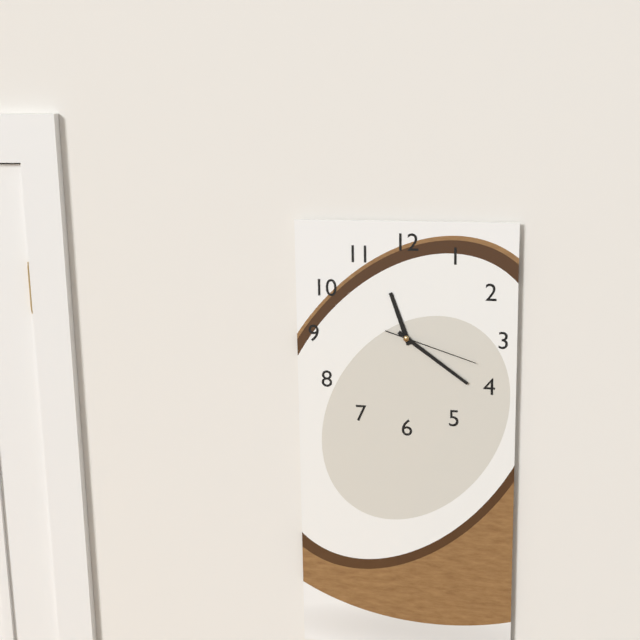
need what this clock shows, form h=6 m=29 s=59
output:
h=11 m=21 s=18
